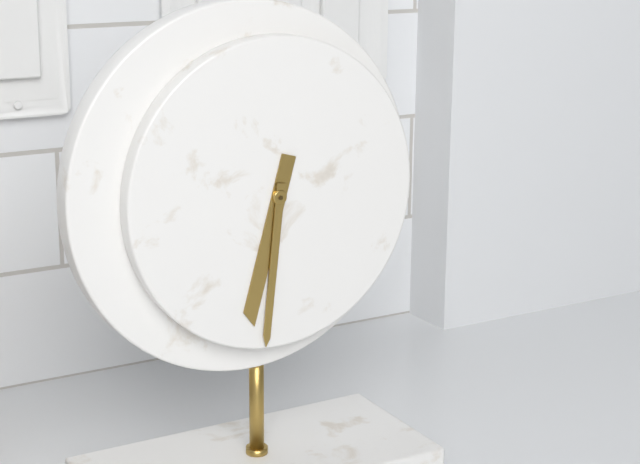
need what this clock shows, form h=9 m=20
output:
h=6 m=31
